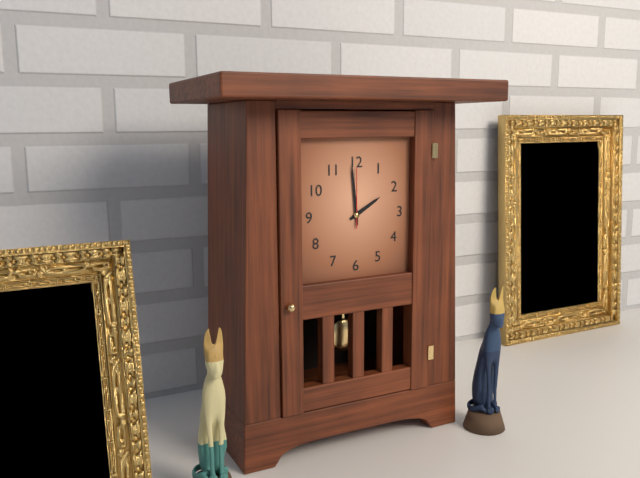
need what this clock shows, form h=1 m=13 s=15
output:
h=1 m=59 s=0
